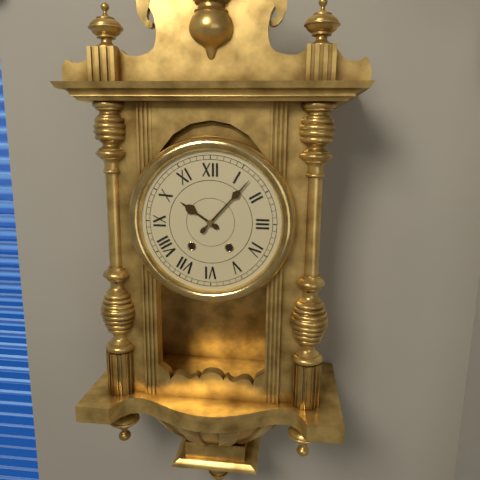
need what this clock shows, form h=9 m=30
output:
h=10 m=7
